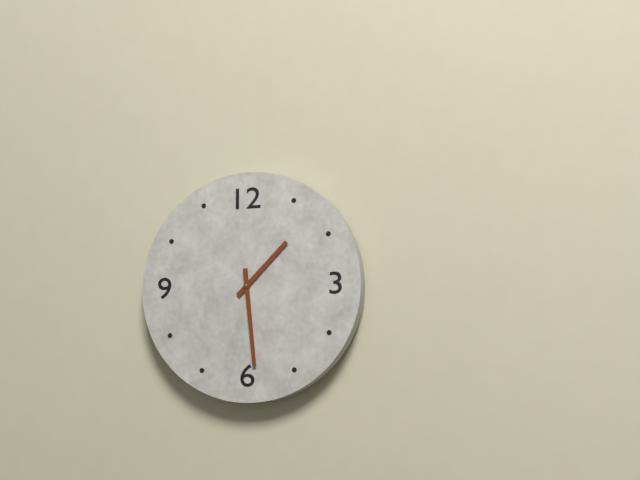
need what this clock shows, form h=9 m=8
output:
h=1 m=29
